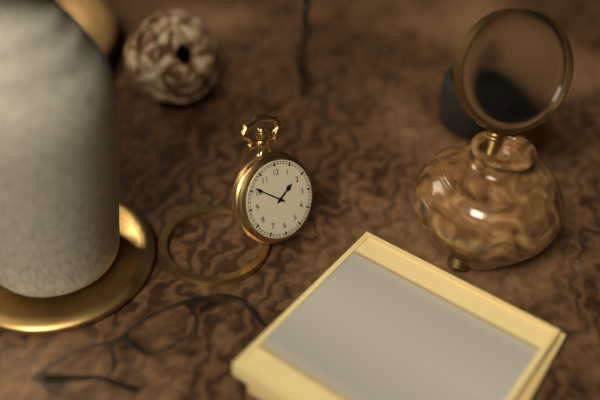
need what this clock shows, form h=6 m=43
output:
h=1 m=51
